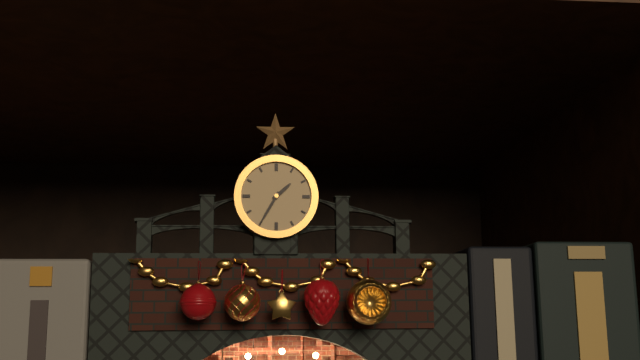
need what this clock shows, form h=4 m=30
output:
h=1 m=35
